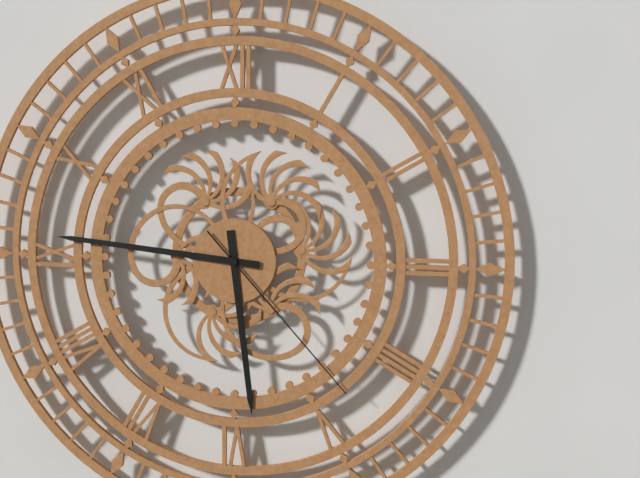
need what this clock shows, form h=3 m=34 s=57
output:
h=5 m=46 s=23
